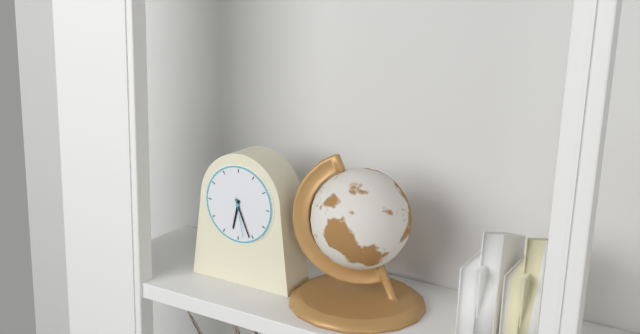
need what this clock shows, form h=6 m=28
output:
h=6 m=26
